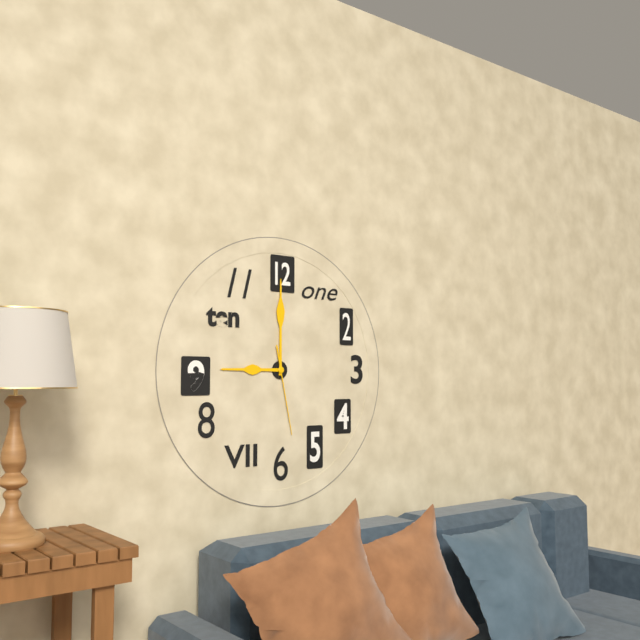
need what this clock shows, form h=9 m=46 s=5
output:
h=9 m=0 s=28
